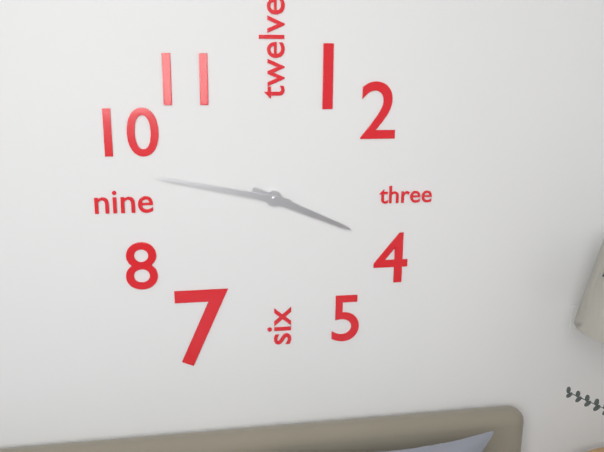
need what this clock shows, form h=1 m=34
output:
h=3 m=47
